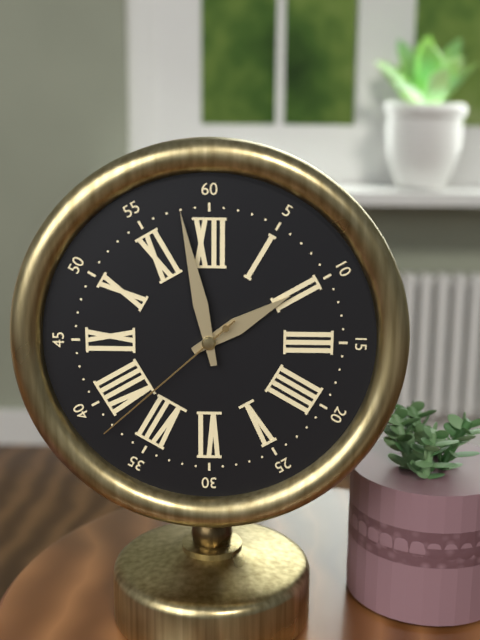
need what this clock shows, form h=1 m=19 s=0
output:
h=1 m=58 s=38
